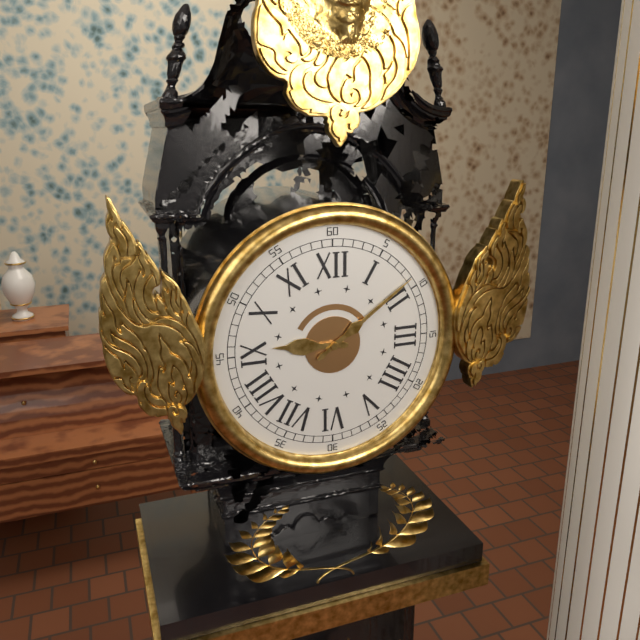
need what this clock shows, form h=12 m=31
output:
h=9 m=9
